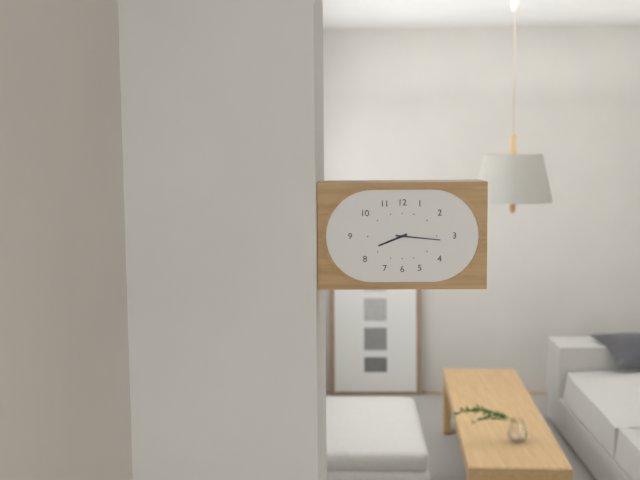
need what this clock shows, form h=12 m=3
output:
h=8 m=16
